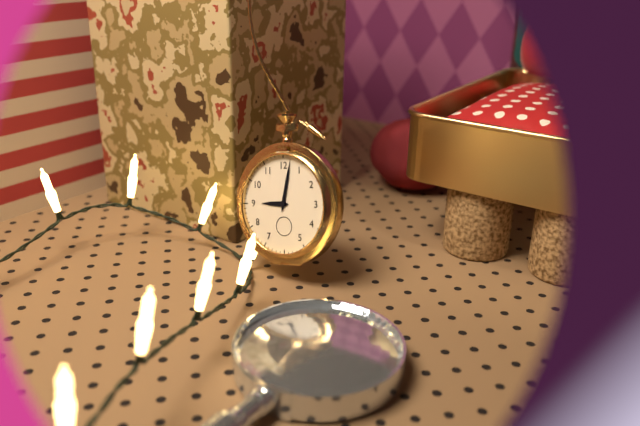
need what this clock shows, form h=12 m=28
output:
h=9 m=2
